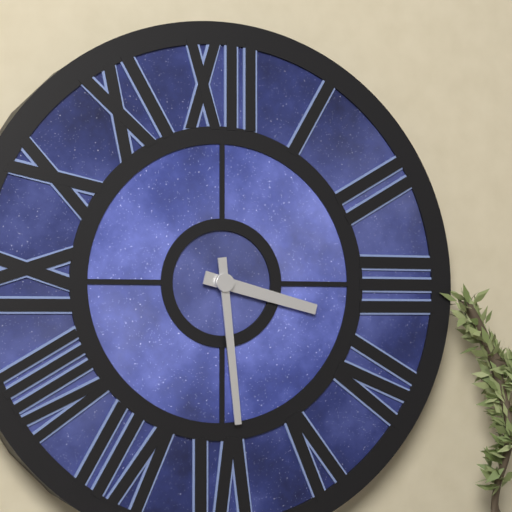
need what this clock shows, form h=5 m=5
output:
h=3 m=29
